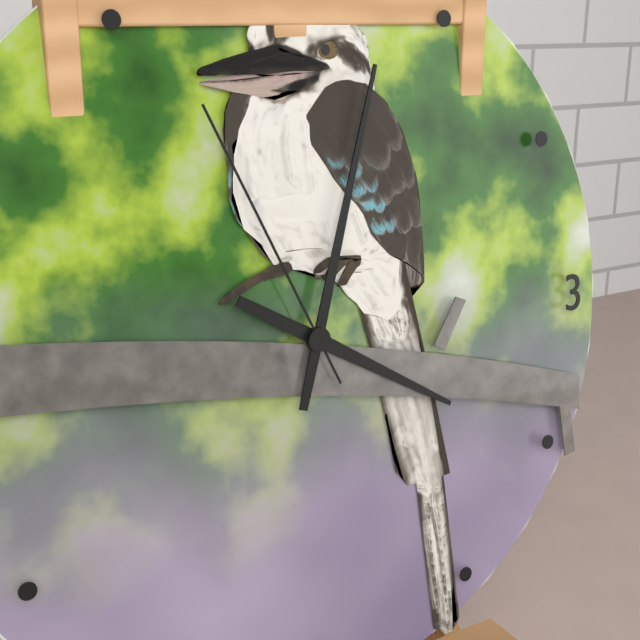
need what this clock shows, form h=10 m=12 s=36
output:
h=4 m=3 s=56
